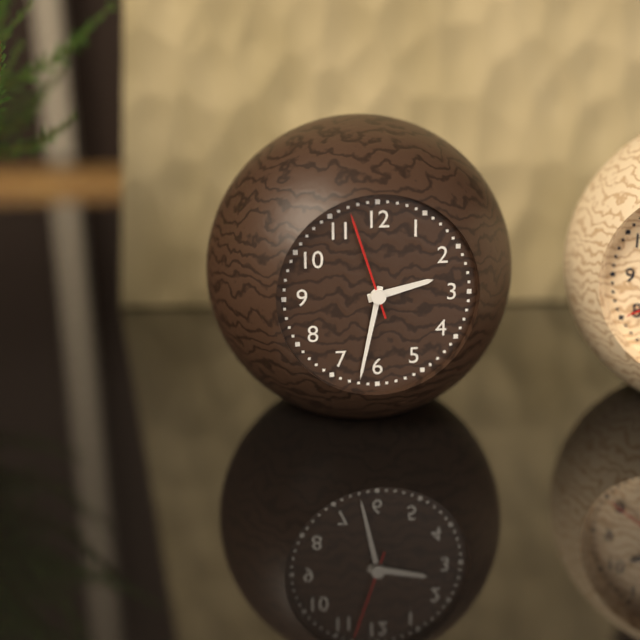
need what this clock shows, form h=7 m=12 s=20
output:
h=2 m=32 s=57
